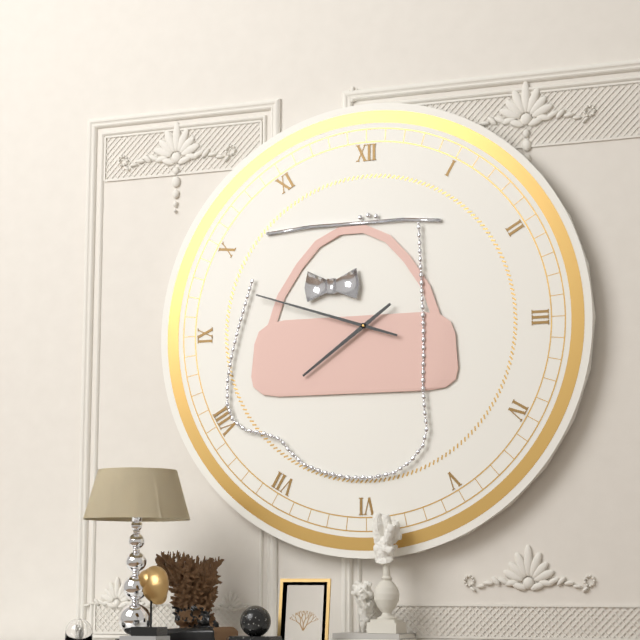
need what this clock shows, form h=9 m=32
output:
h=7 m=48
